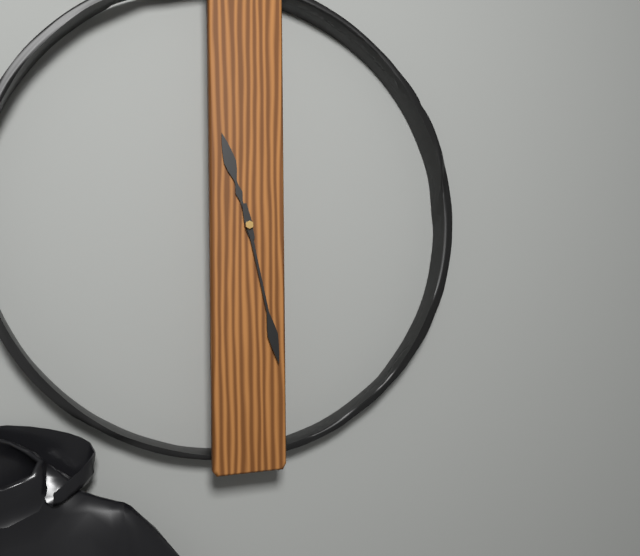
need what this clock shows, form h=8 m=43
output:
h=11 m=28
